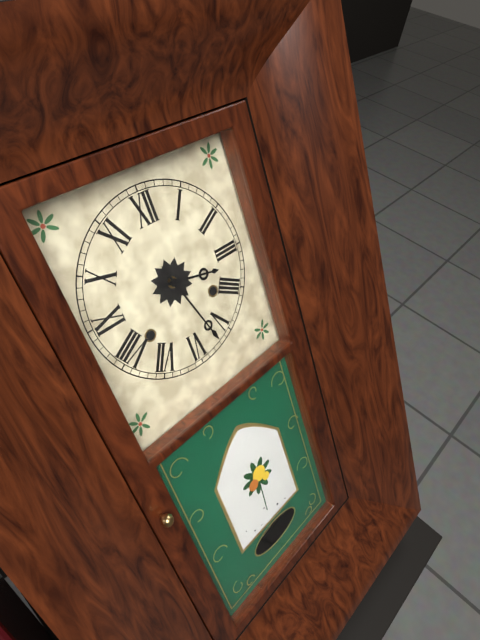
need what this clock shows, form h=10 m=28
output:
h=3 m=27
